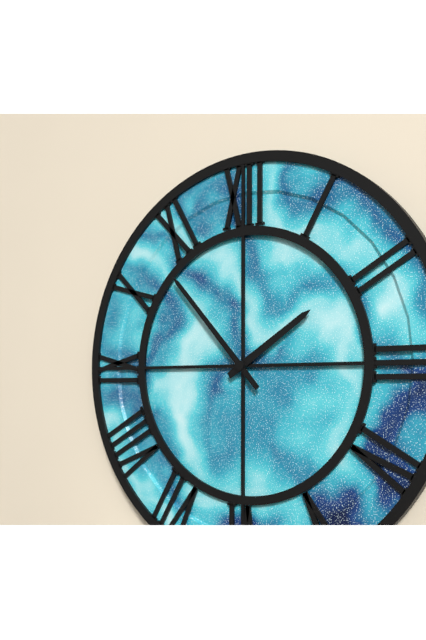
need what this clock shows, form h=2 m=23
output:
h=1 m=53
